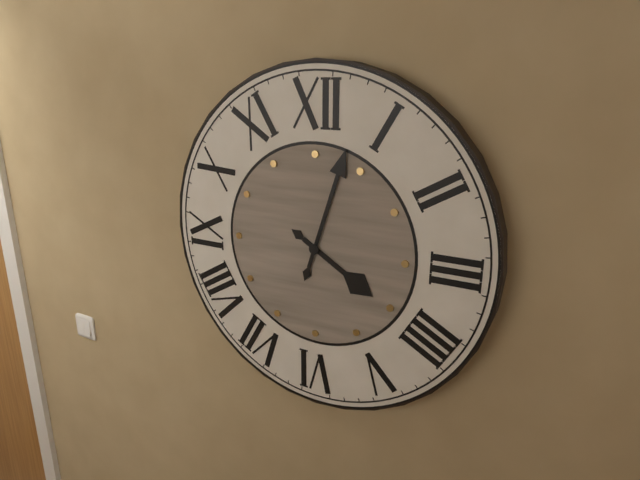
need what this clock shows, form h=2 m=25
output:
h=4 m=3
